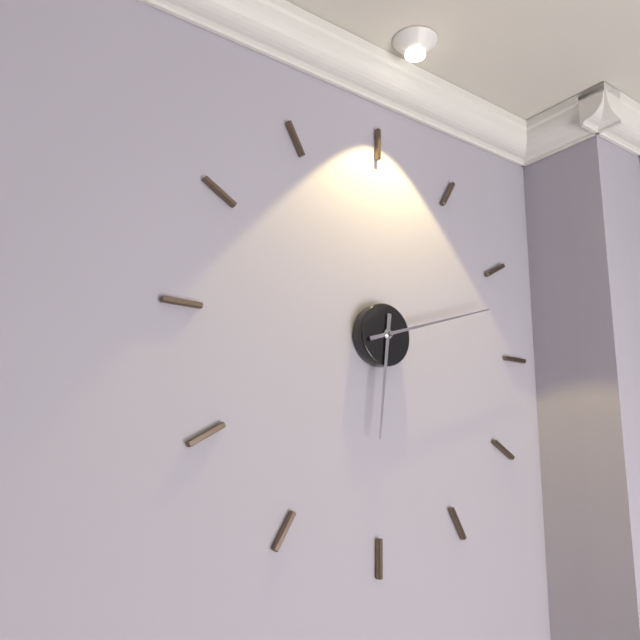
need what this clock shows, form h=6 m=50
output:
h=6 m=12
